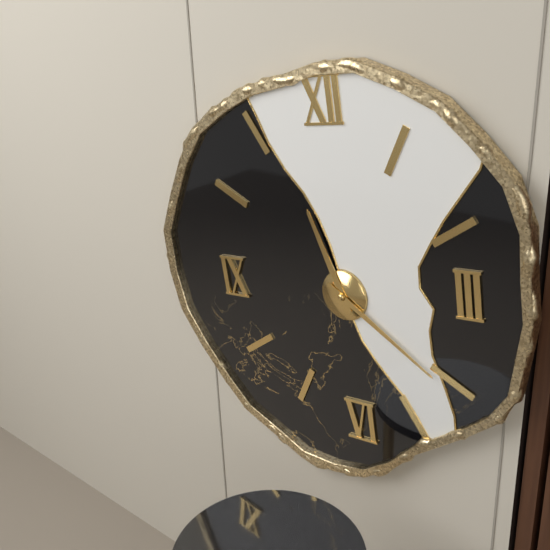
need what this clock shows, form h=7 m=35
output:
h=11 m=21
